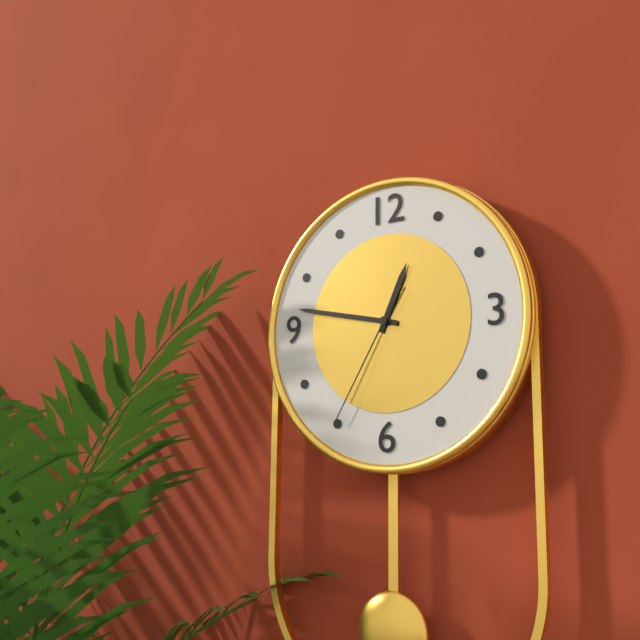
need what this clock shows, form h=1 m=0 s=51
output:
h=12 m=47 s=35
